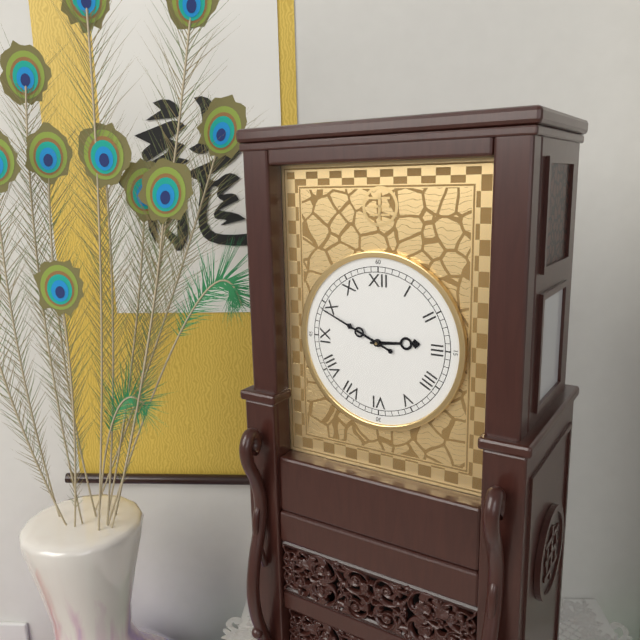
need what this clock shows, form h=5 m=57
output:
h=2 m=49
